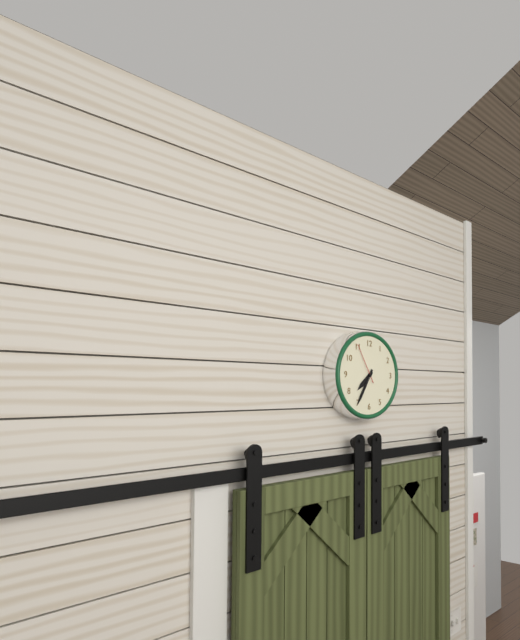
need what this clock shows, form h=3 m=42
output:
h=7 m=35
